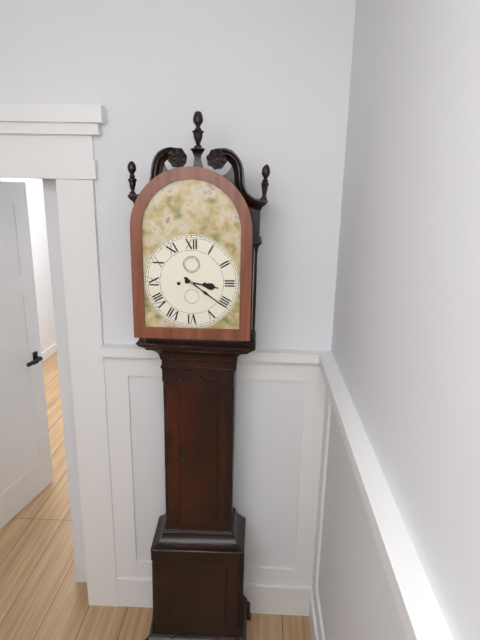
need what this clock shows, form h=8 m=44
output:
h=3 m=21
